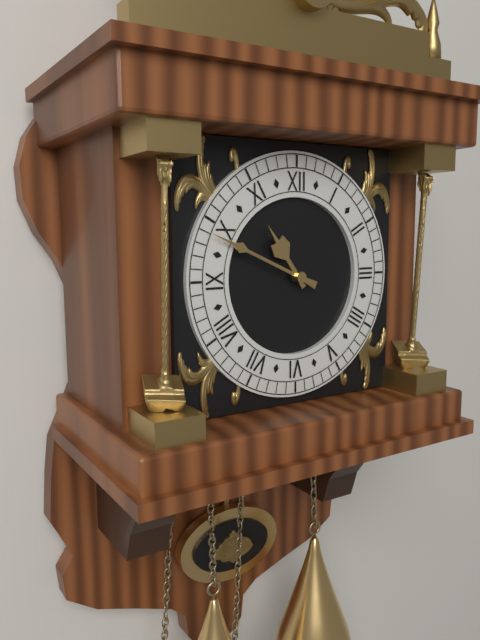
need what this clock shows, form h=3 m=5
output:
h=10 m=49
